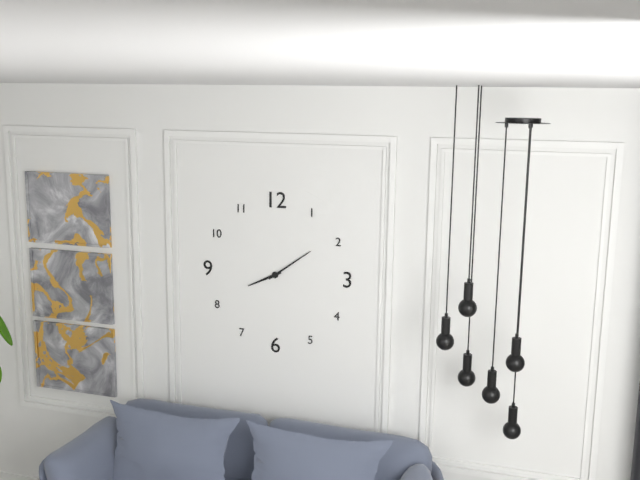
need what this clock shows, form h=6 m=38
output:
h=8 m=9
